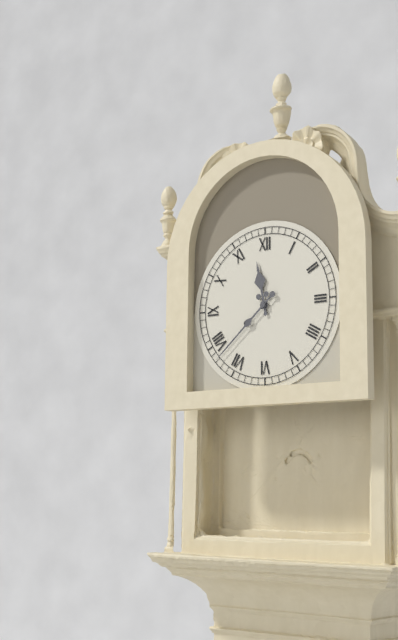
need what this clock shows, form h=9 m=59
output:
h=11 m=38
